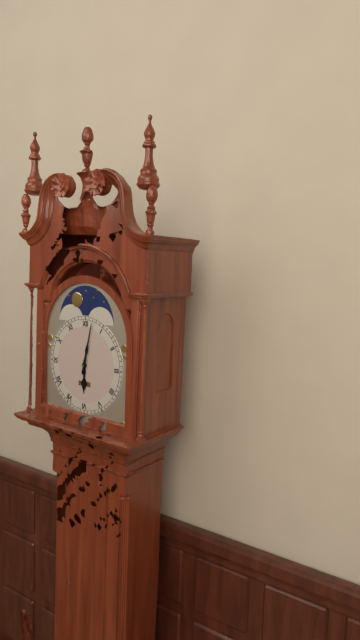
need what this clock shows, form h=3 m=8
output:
h=6 m=2
